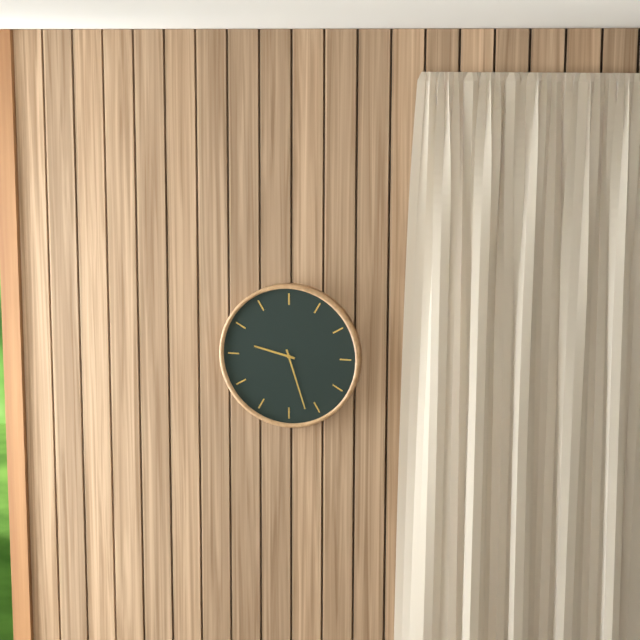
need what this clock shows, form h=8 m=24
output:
h=9 m=27
